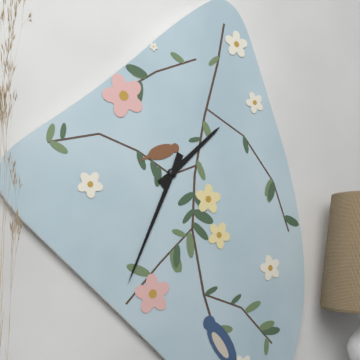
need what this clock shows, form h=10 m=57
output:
h=1 m=34
